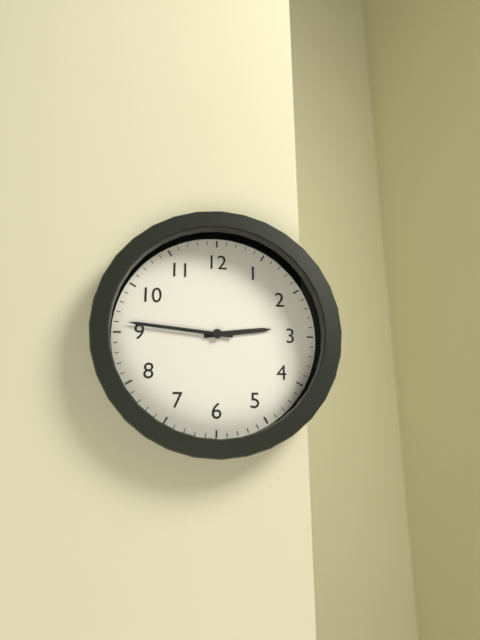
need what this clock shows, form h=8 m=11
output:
h=2 m=46
